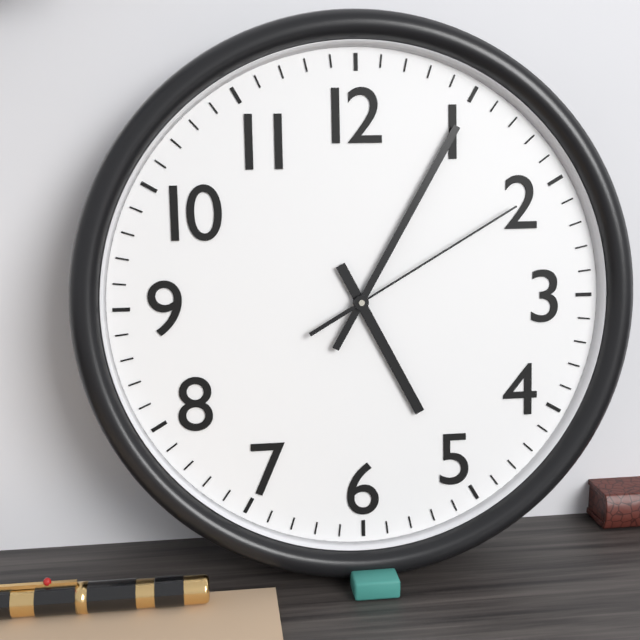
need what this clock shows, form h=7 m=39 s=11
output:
h=5 m=5 s=10
